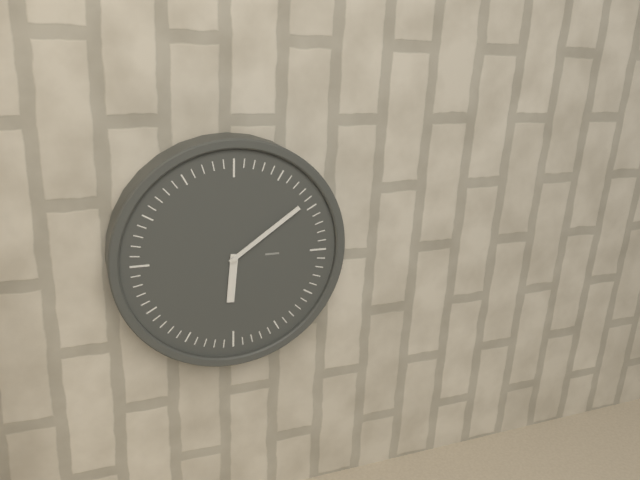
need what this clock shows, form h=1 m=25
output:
h=6 m=9
